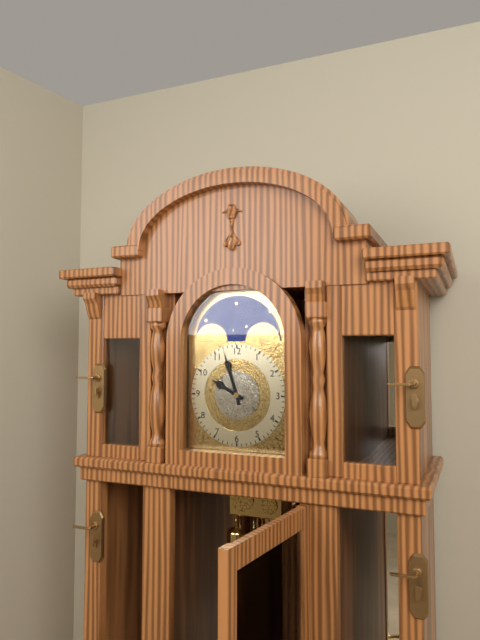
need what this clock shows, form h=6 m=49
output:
h=9 m=57
